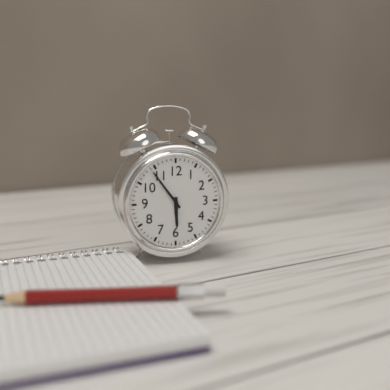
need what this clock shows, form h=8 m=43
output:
h=5 m=54
